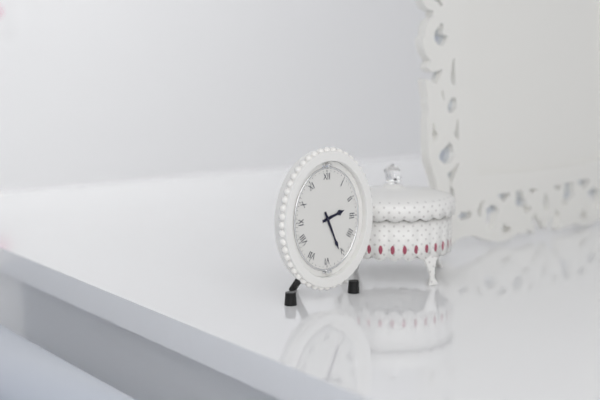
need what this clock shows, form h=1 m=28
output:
h=2 m=26
